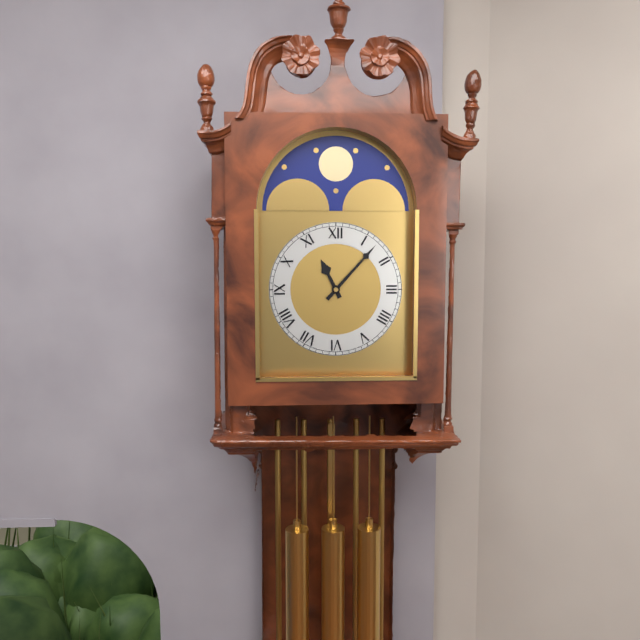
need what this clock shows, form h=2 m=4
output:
h=11 m=7
